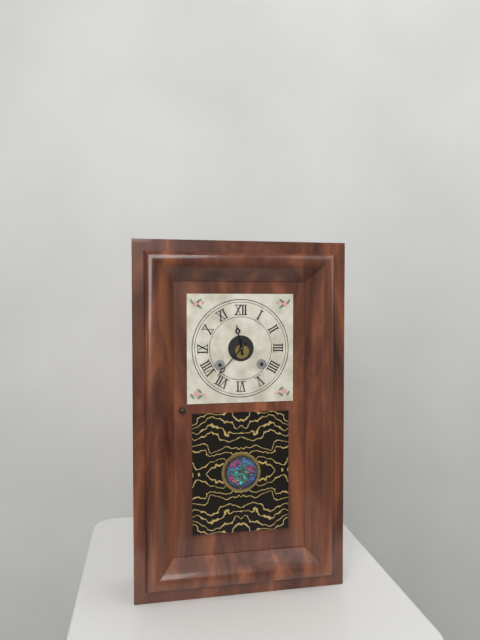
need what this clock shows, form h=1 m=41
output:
h=11 m=37
